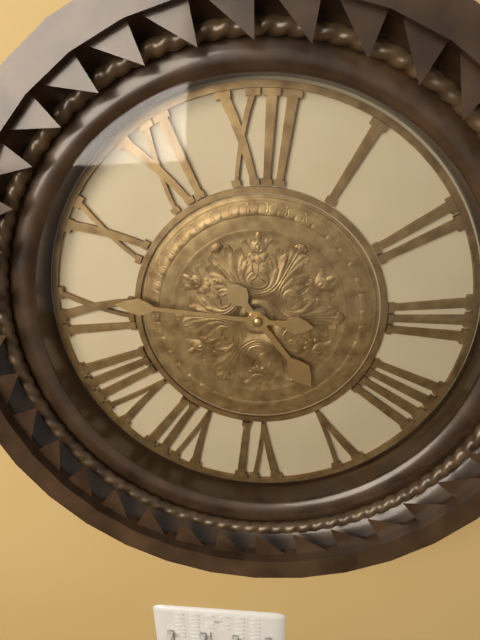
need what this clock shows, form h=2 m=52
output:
h=4 m=46
